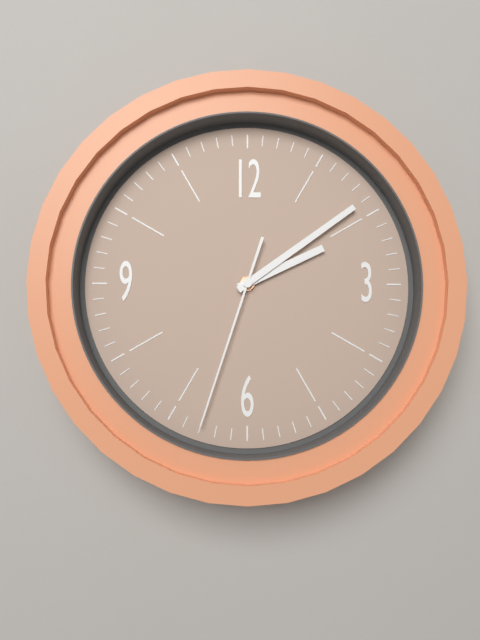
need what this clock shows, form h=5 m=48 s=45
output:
h=2 m=9 s=33
